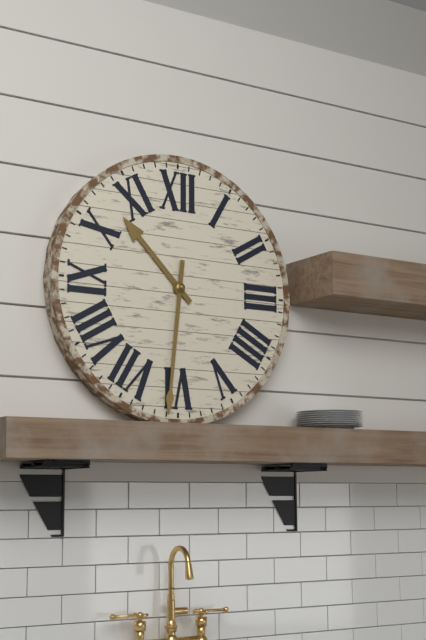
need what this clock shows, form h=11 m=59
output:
h=10 m=31
